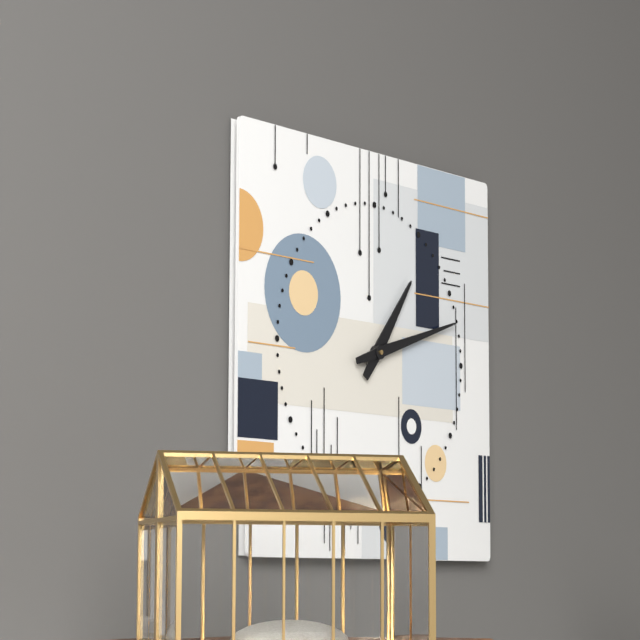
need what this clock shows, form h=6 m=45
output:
h=1 m=12
